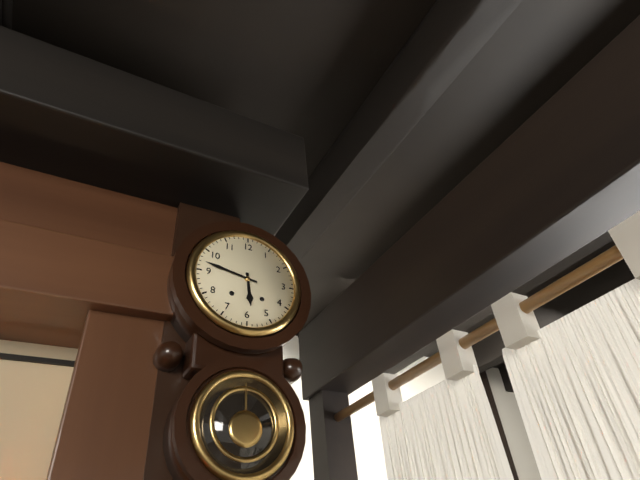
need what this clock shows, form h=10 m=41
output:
h=5 m=47
